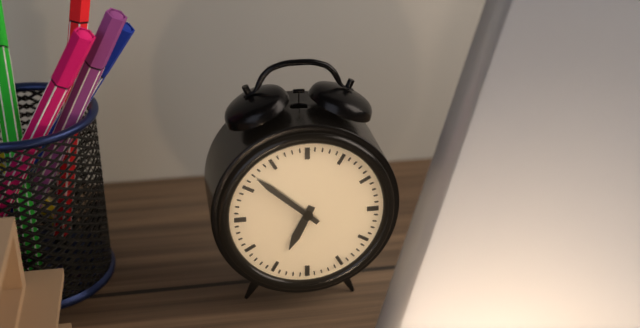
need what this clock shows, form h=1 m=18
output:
h=6 m=52
